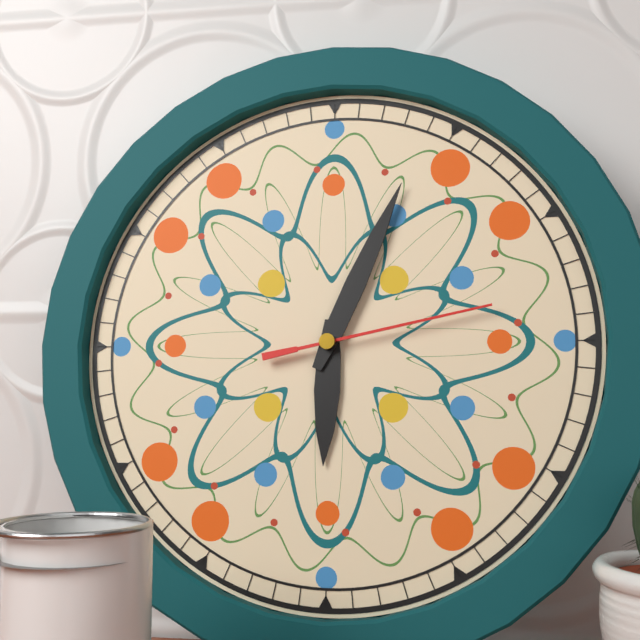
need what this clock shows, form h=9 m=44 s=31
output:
h=6 m=4 s=13
